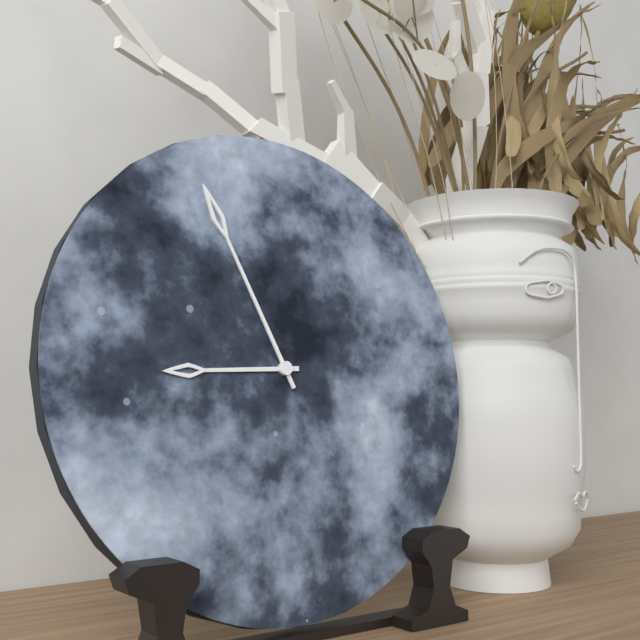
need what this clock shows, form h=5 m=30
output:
h=8 m=56
